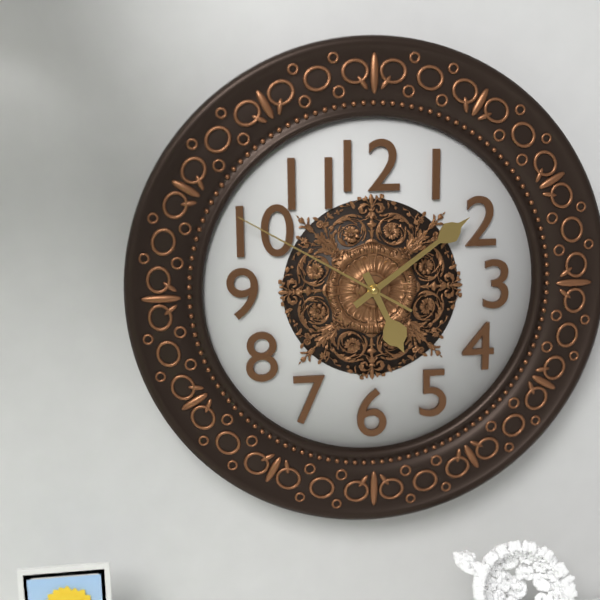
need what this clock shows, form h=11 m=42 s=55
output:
h=5 m=9 s=50
